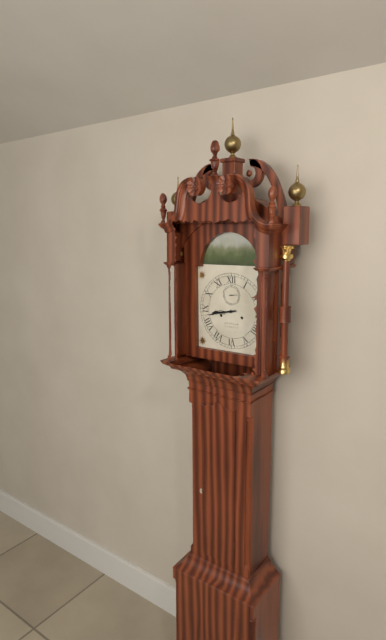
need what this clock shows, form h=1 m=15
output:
h=8 m=43
